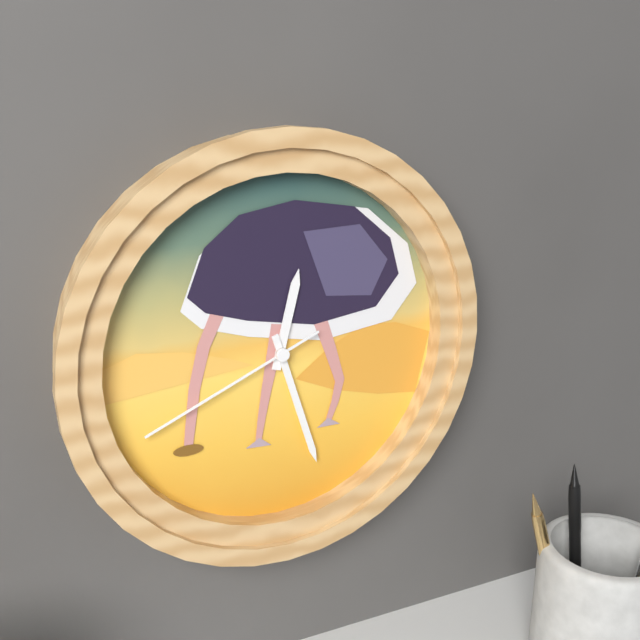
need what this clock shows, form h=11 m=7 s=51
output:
h=12 m=27 s=41
